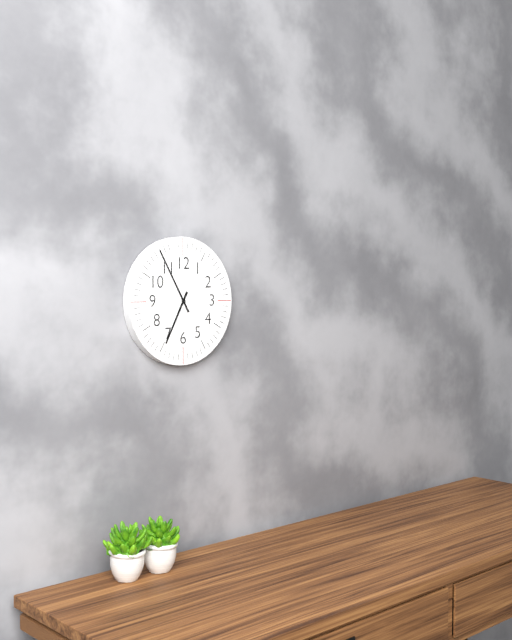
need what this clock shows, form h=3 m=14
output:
h=6 m=55
